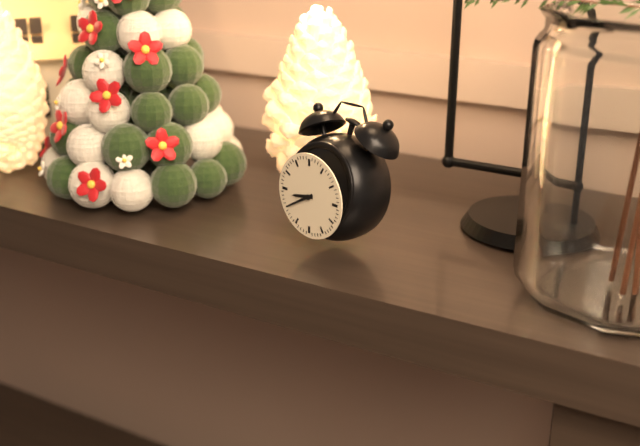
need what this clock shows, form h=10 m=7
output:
h=8 m=40
